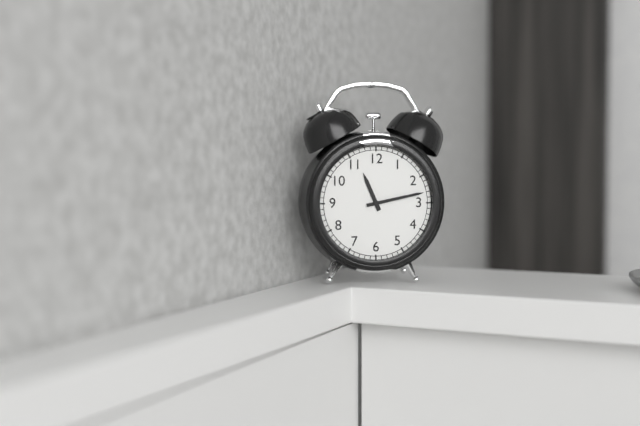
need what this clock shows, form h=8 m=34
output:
h=11 m=13
